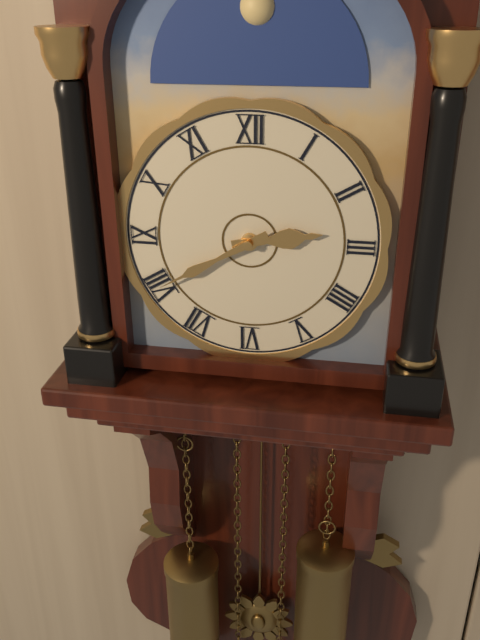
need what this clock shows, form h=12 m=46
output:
h=2 m=40
